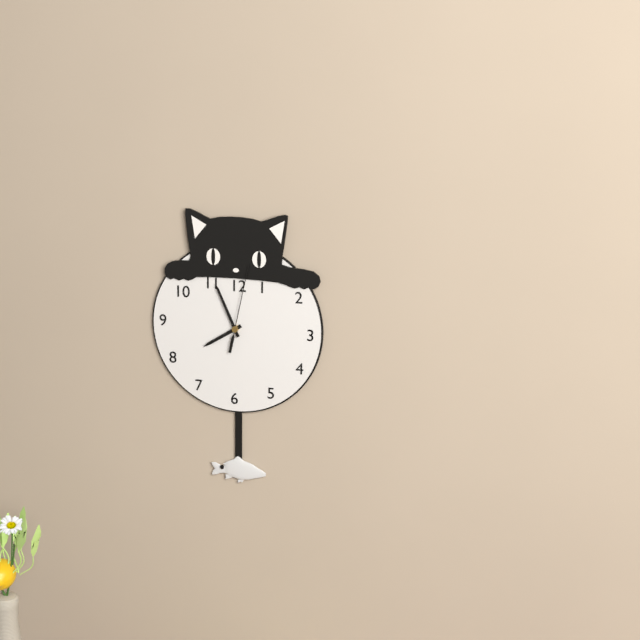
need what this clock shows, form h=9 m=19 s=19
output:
h=7 m=56 s=2
